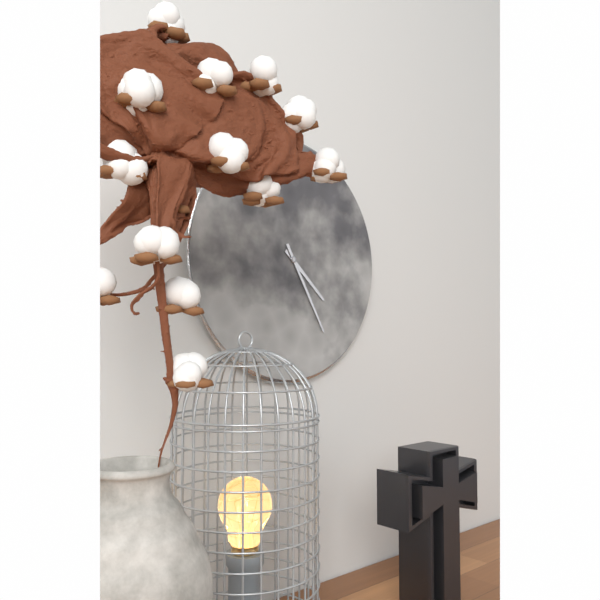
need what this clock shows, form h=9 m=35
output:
h=4 m=25
